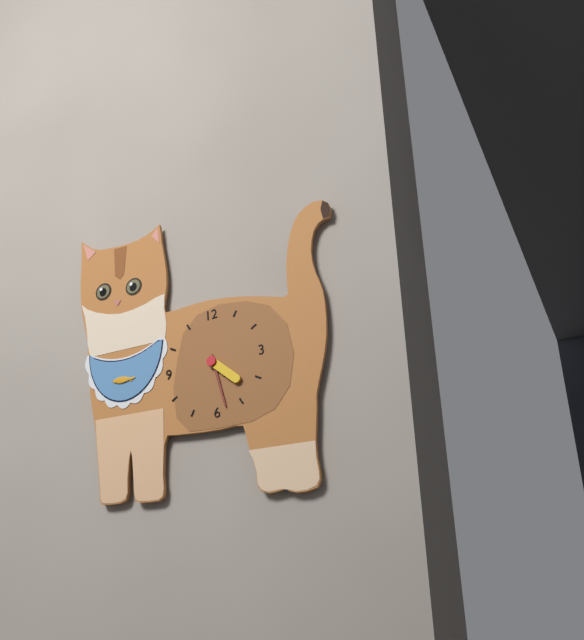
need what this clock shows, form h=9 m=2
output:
h=4 m=28
